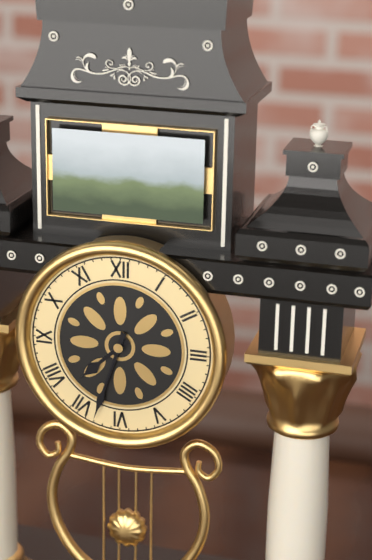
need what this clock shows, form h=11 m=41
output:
h=7 m=33
